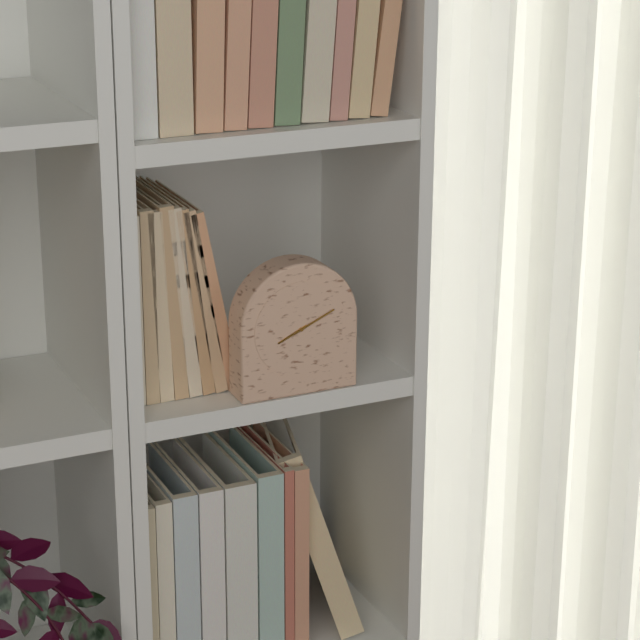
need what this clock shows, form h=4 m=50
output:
h=8 m=11
